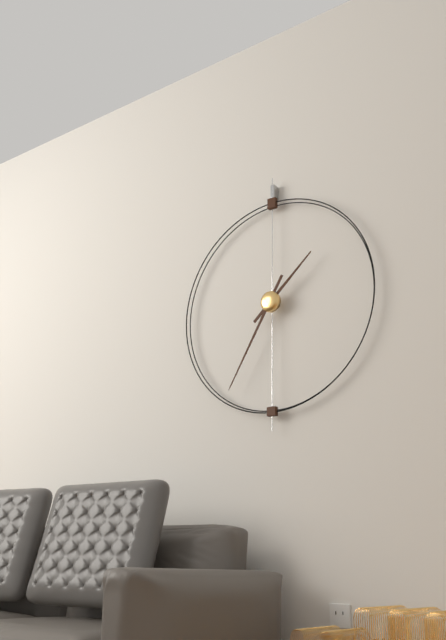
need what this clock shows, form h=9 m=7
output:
h=1 m=35
